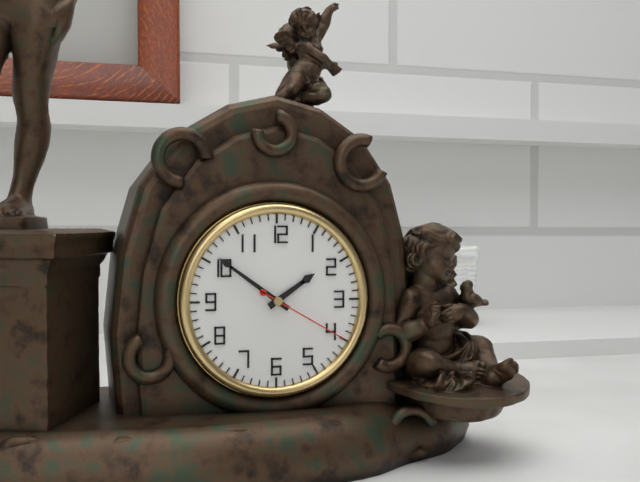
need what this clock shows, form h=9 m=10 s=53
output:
h=1 m=51 s=20
